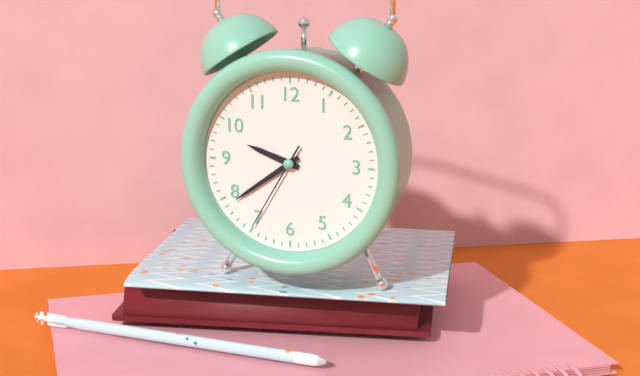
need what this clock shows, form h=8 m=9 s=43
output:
h=9 m=39 s=35
